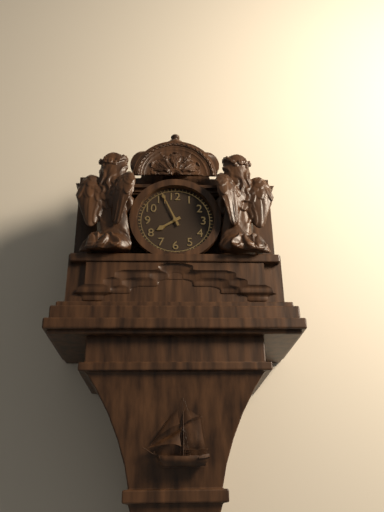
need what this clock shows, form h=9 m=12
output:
h=7 m=56
